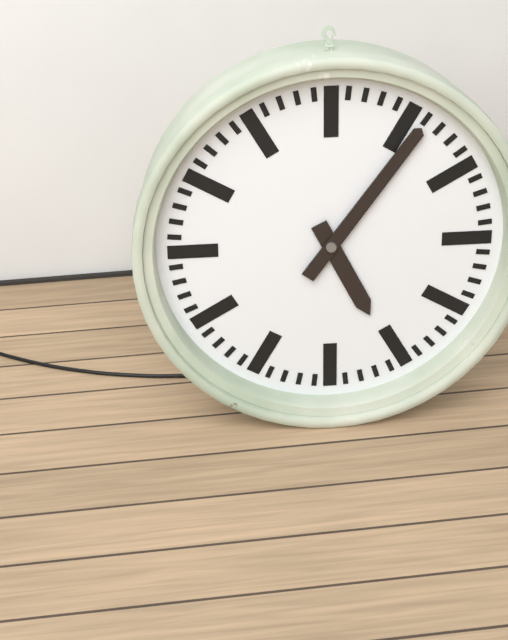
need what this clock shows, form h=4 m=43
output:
h=5 m=6
